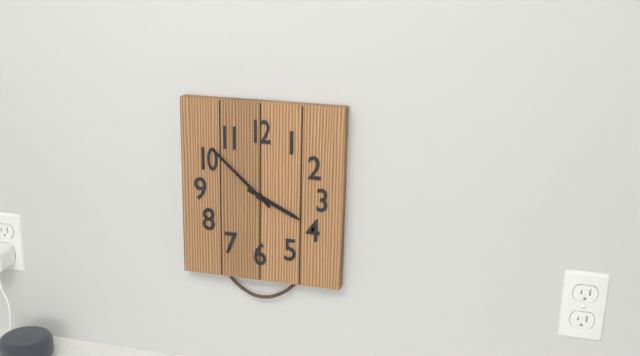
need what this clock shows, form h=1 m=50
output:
h=3 m=52
